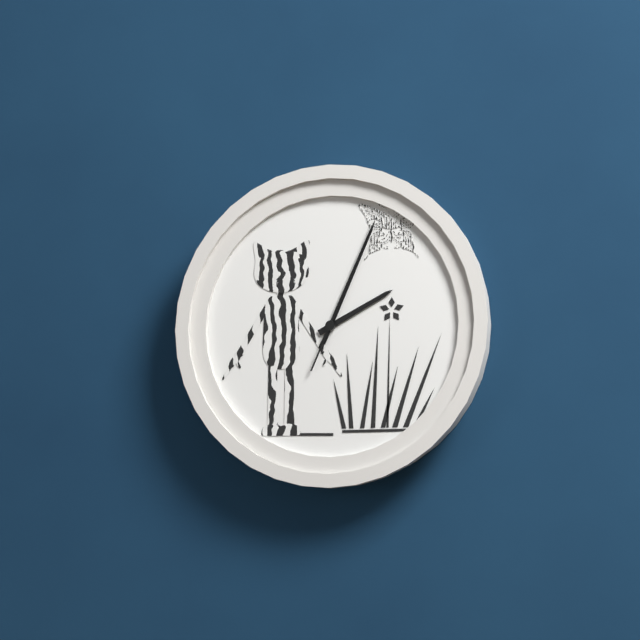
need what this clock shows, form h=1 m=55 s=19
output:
h=2 m=4 s=4
